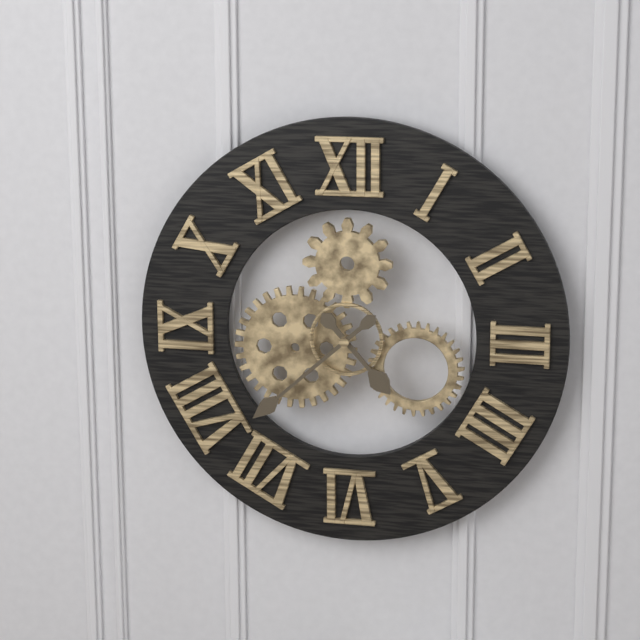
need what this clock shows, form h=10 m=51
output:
h=4 m=38
